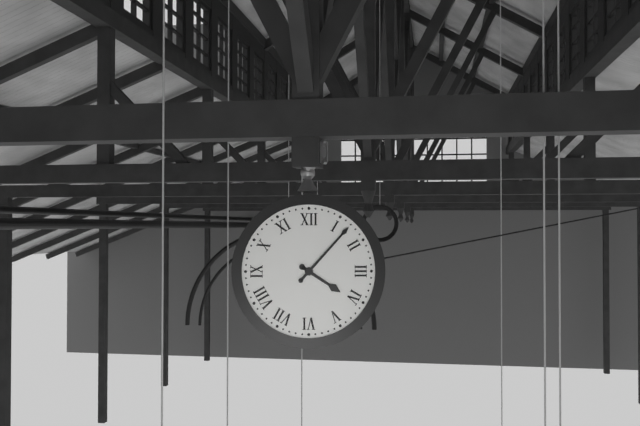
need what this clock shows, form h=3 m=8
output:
h=4 m=7
